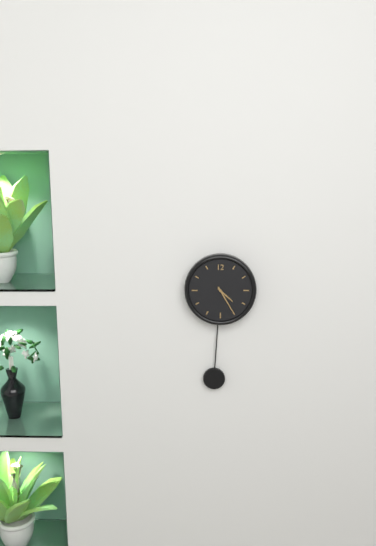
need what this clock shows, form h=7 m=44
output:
h=4 m=25
